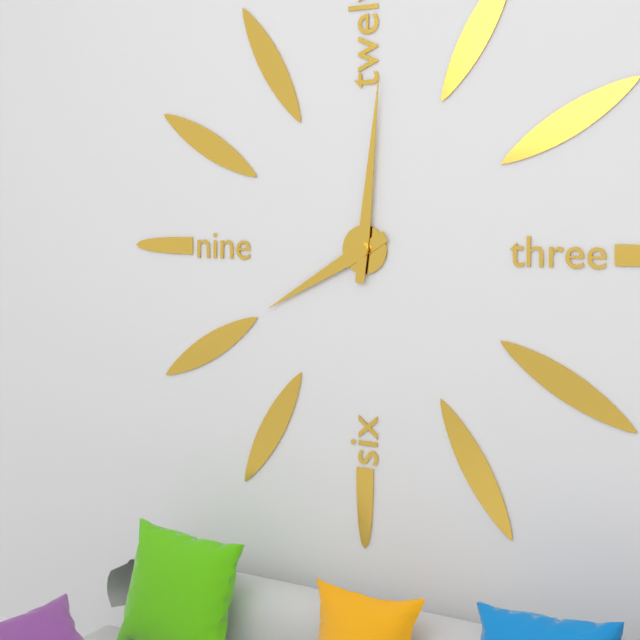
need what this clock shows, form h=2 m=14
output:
h=8 m=1
